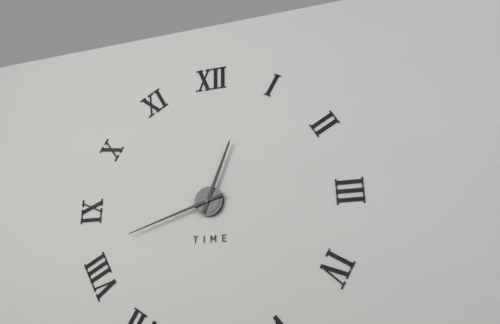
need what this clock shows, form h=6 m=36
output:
h=12 m=42
